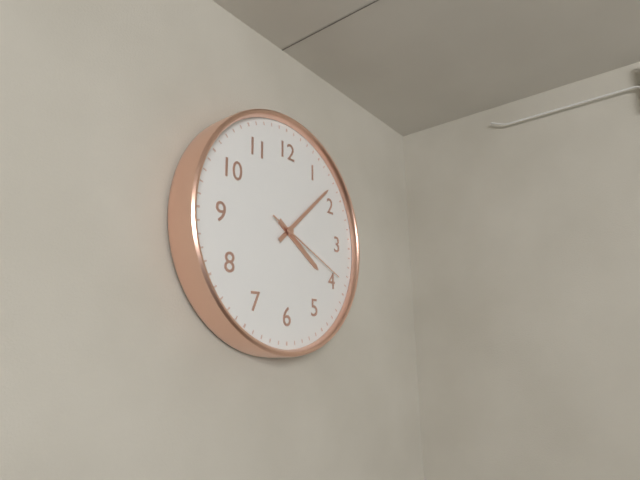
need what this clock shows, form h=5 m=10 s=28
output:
h=4 m=8 s=19
